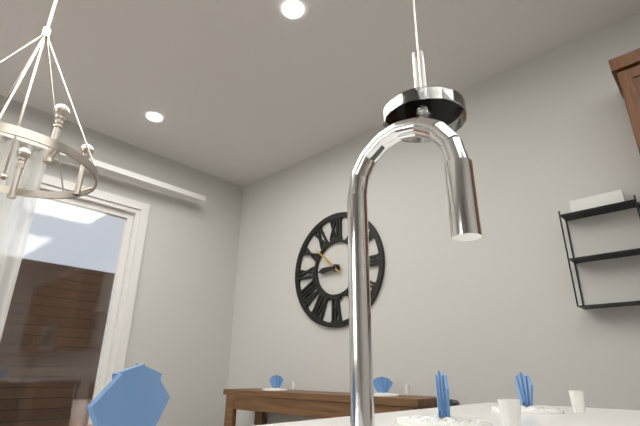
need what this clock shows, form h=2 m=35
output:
h=8 m=52
